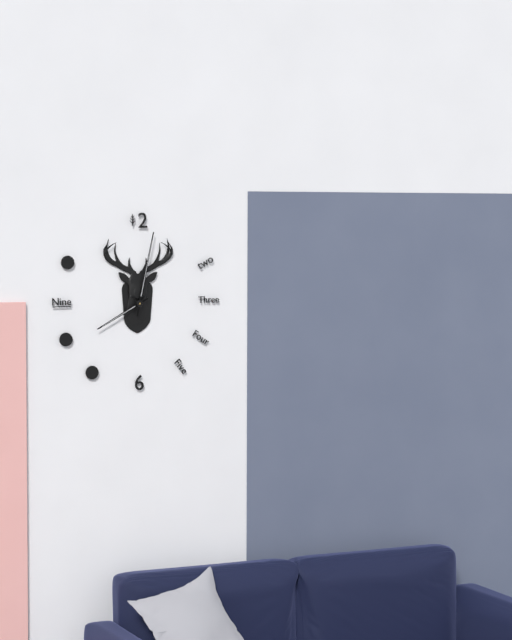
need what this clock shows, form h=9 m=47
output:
h=8 m=2
